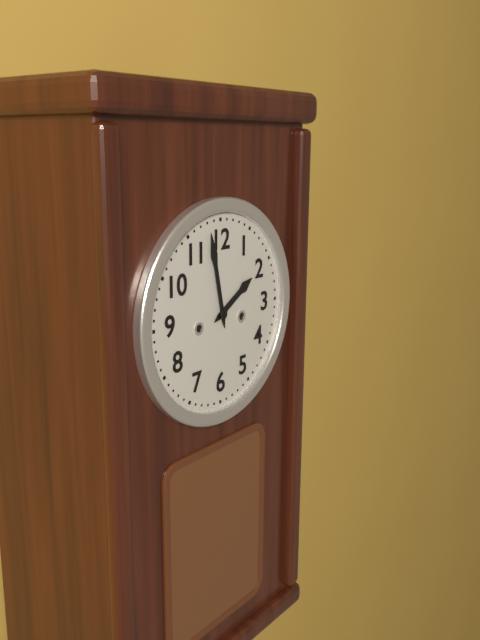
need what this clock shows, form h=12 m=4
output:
h=1 m=58
